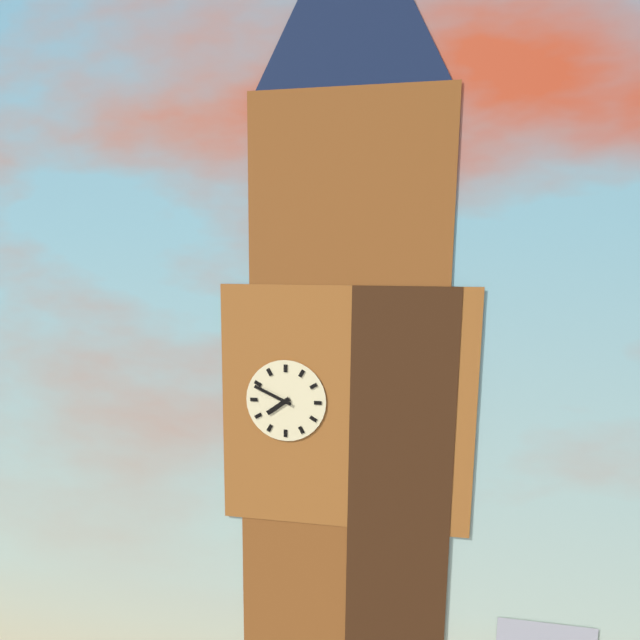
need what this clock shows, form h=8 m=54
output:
h=7 m=49
